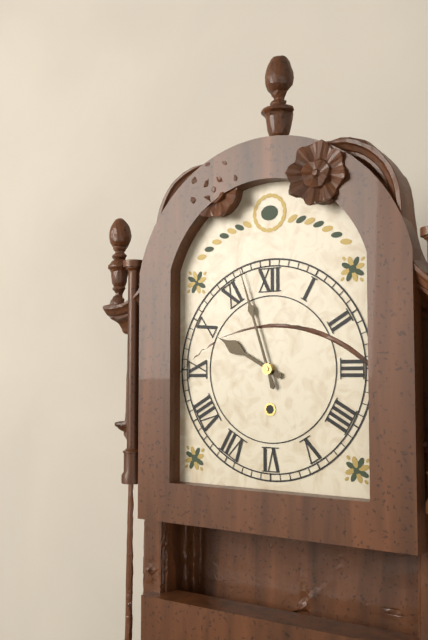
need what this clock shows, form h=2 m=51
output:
h=9 m=57
